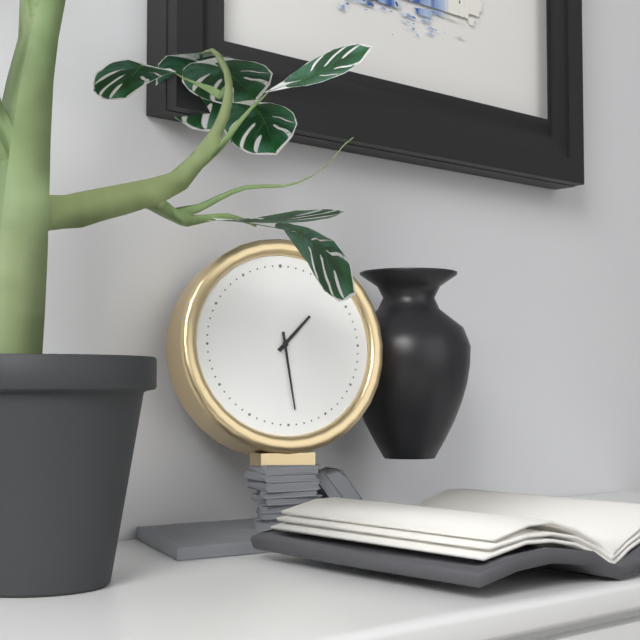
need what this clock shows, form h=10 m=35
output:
h=1 m=29
